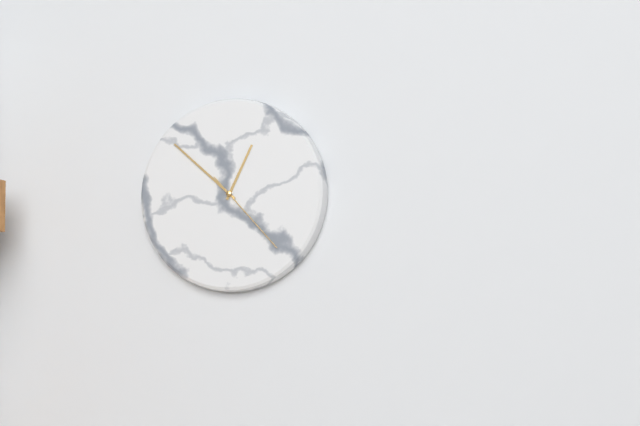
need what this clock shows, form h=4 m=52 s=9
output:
h=12 m=52 s=23
